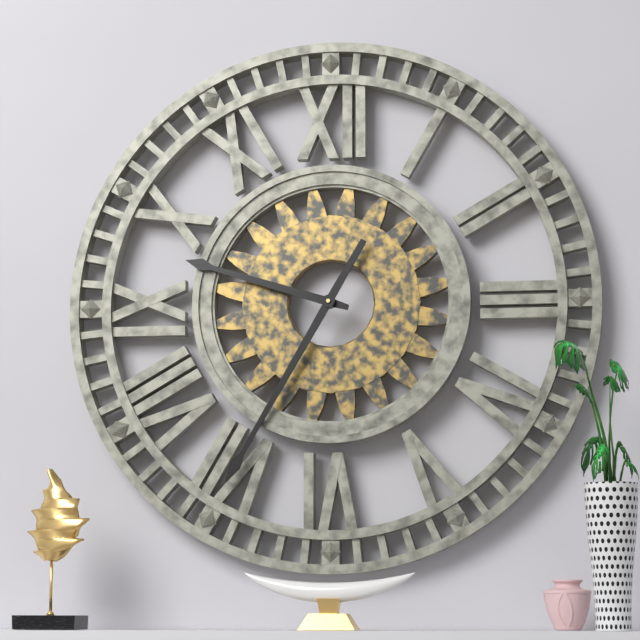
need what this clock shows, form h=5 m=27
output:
h=9 m=35
